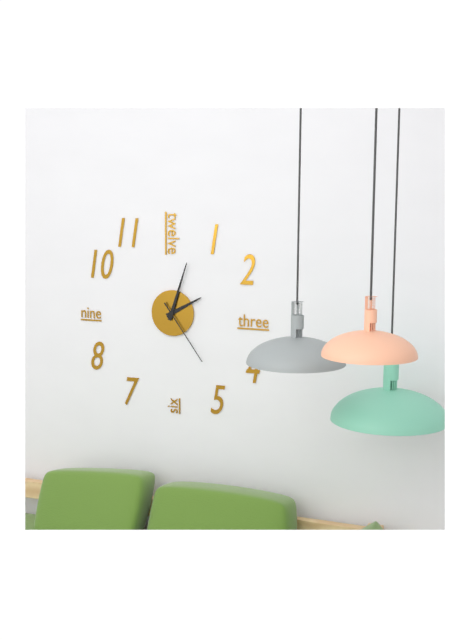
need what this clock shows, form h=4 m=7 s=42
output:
h=2 m=3 s=24
